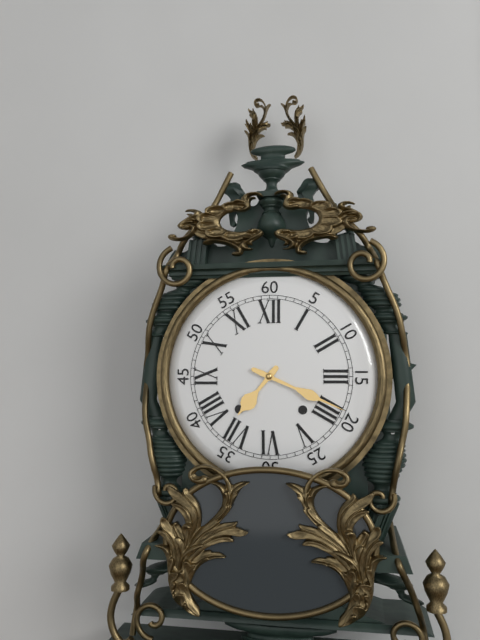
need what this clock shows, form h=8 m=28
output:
h=7 m=19
